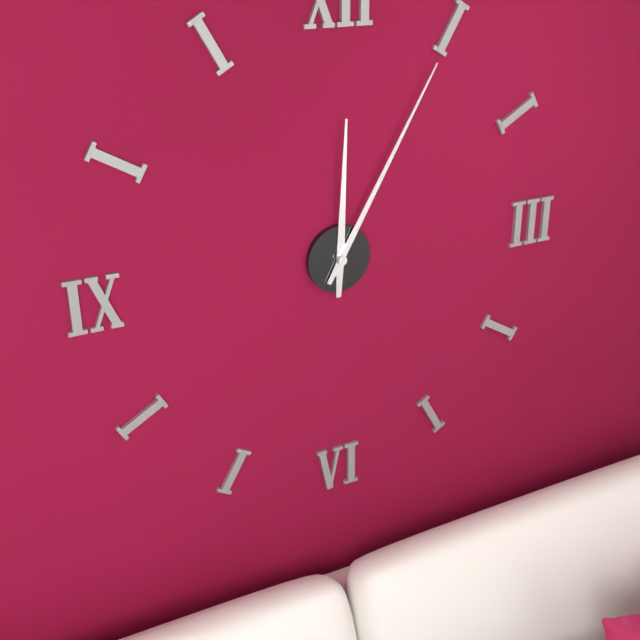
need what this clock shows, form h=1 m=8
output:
h=12 m=5
